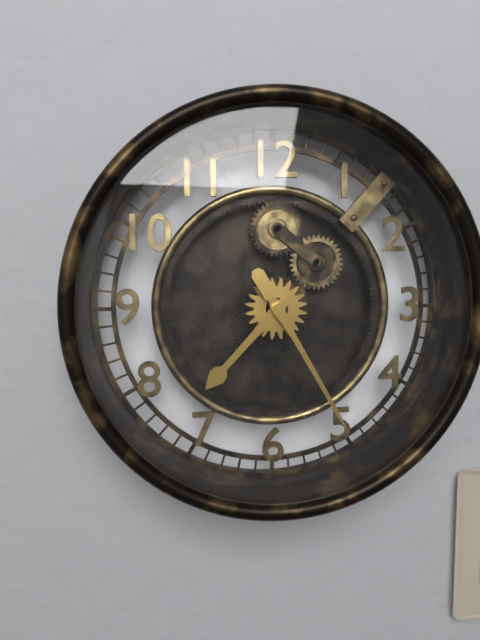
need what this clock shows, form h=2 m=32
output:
h=7 m=25
